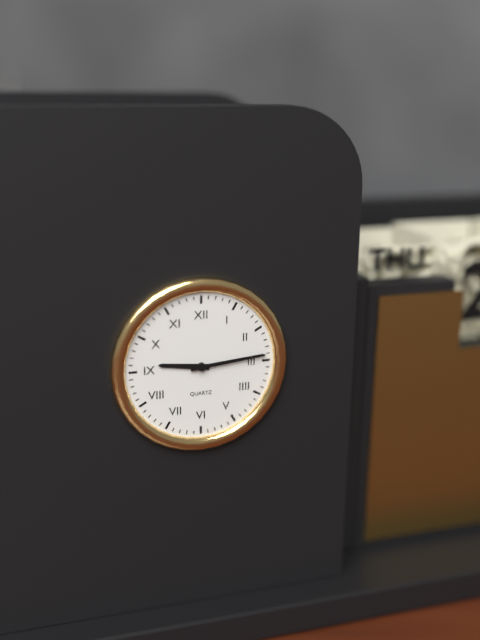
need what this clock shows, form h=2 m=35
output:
h=9 m=14
